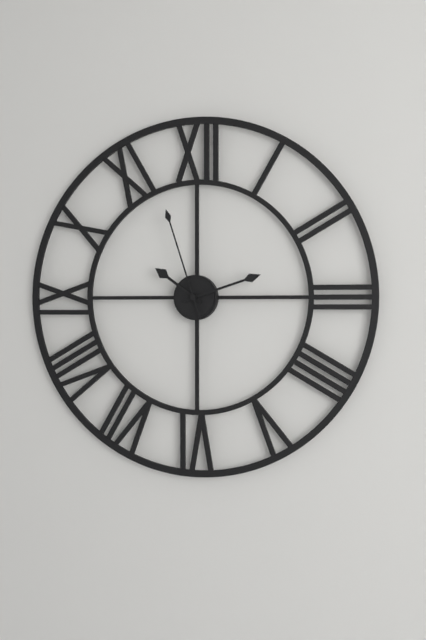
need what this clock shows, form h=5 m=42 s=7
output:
h=10 m=12 s=57
